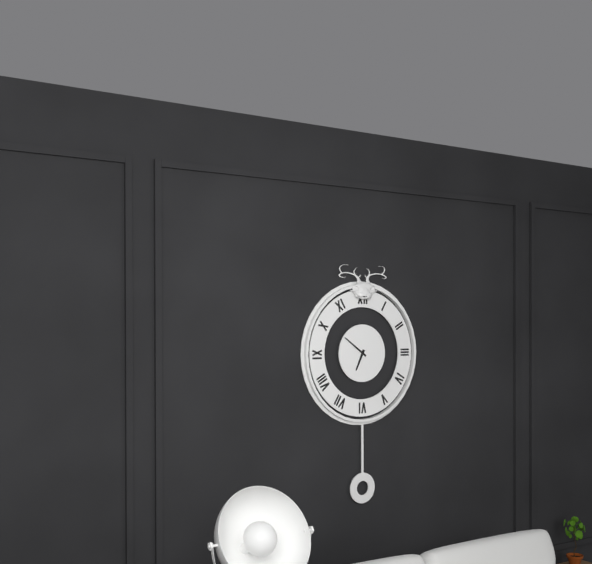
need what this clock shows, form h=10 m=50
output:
h=6 m=51
